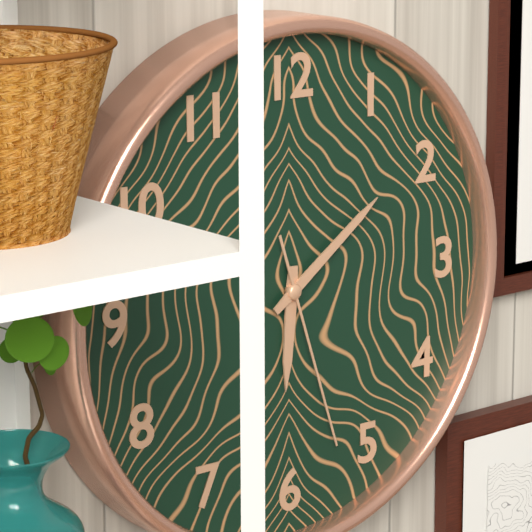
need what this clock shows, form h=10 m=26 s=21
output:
h=6 m=9 s=27
